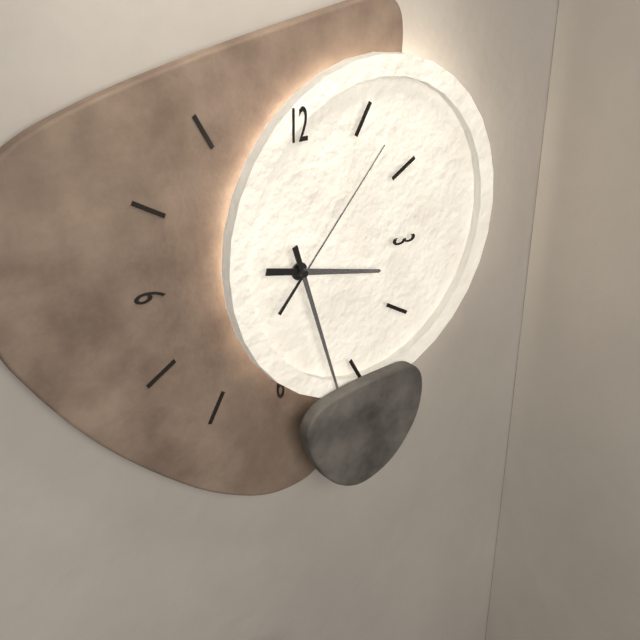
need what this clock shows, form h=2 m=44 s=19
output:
h=3 m=27 s=7
